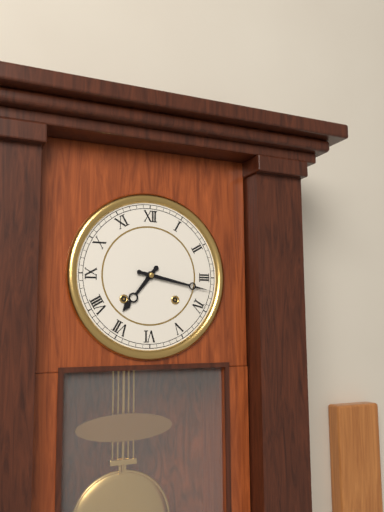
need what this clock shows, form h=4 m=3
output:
h=7 m=17
